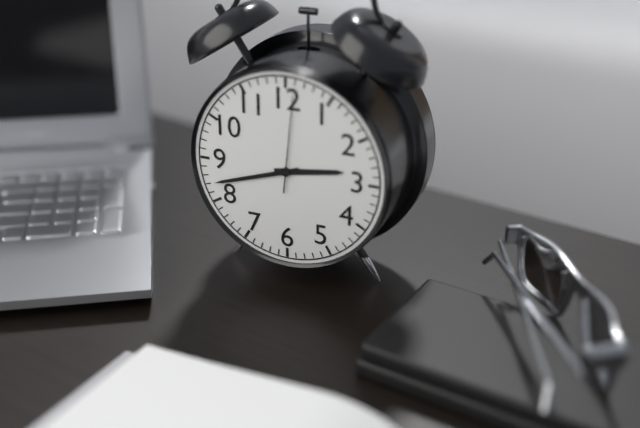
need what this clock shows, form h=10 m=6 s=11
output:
h=2 m=42 s=1
